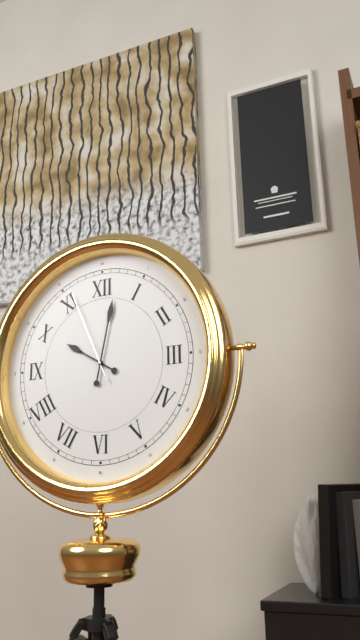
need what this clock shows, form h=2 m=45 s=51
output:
h=10 m=2 s=56
